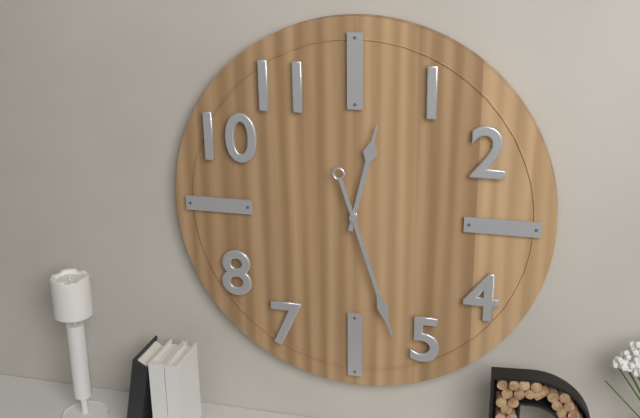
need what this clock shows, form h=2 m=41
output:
h=12 m=27
